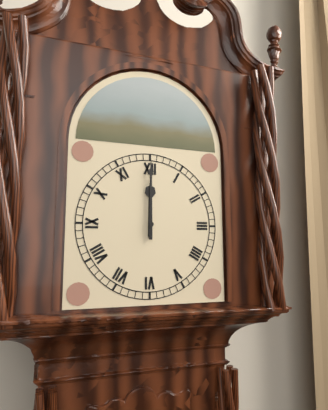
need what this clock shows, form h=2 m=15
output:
h=12 m=0
